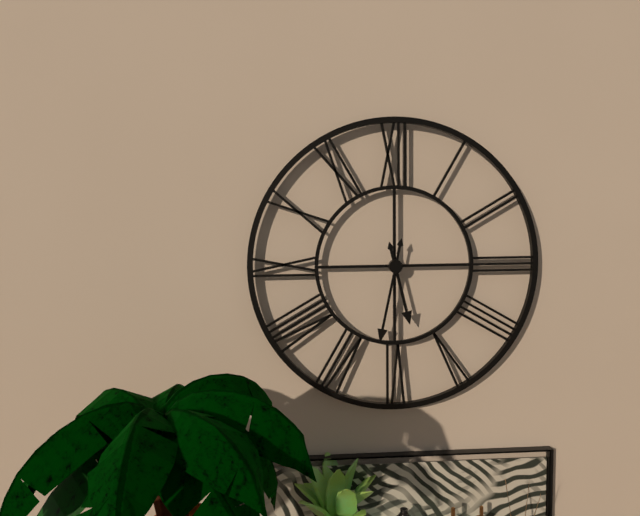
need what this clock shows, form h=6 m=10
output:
h=5 m=32
